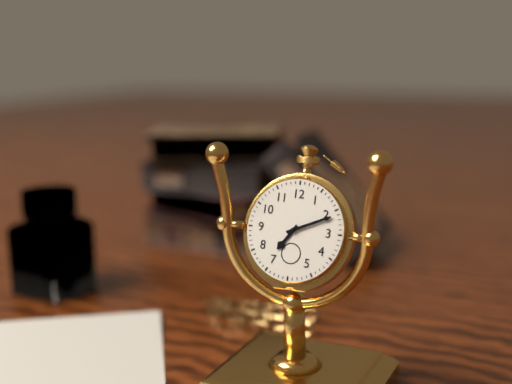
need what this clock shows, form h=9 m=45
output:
h=7 m=11
